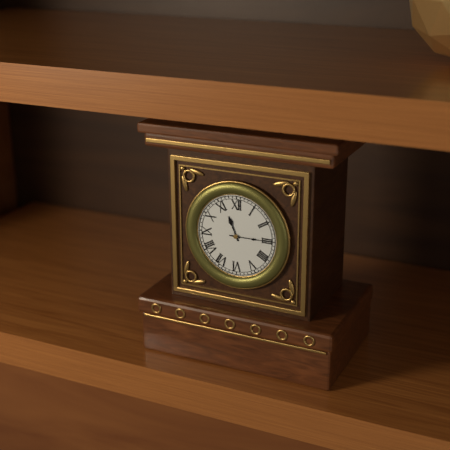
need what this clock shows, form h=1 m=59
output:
h=11 m=15
